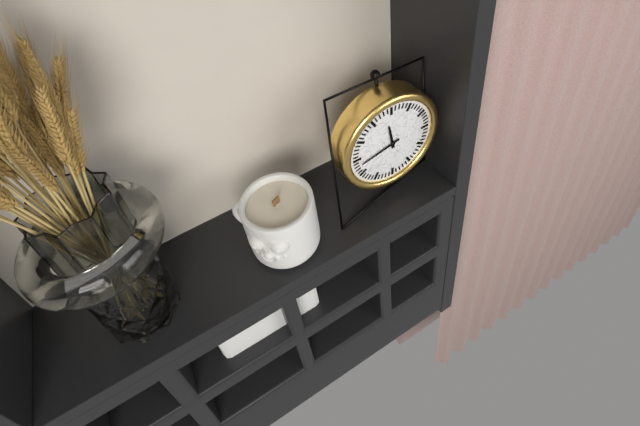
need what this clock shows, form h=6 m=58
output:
h=11 m=43
